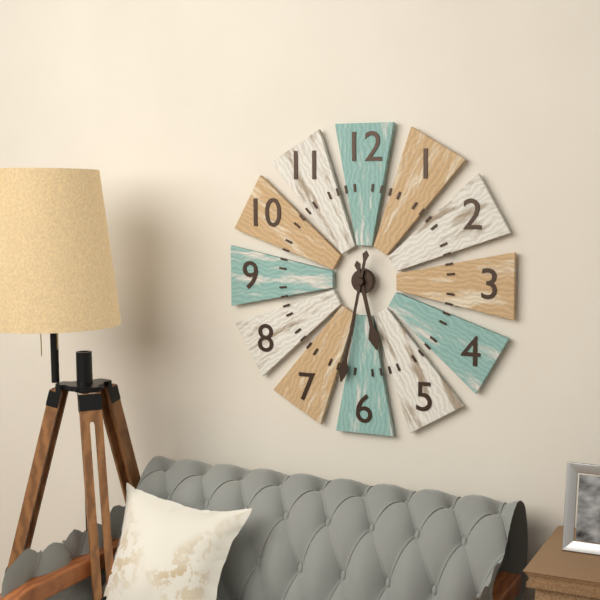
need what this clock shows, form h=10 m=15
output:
h=5 m=32
